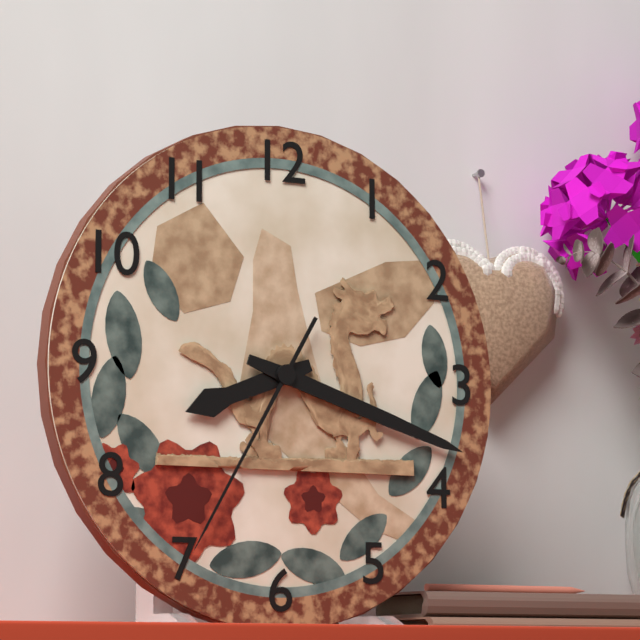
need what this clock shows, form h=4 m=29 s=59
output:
h=8 m=18 s=35
